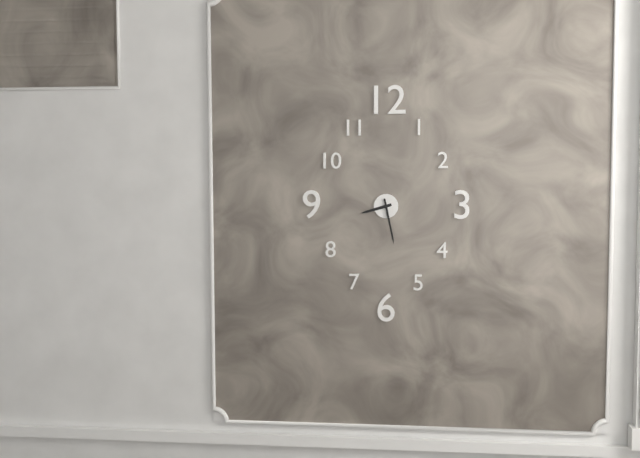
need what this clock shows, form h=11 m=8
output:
h=8 m=28
